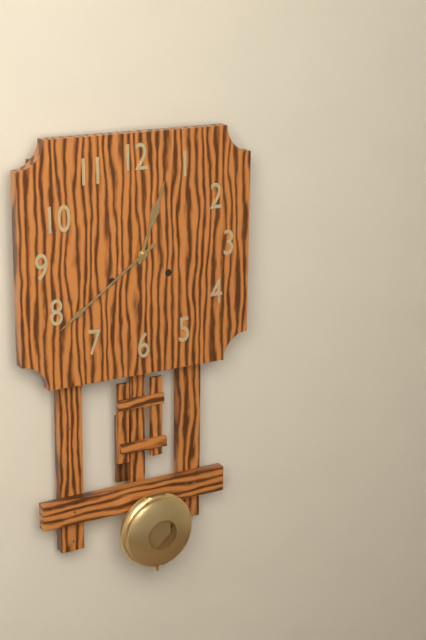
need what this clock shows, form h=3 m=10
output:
h=12 m=39
